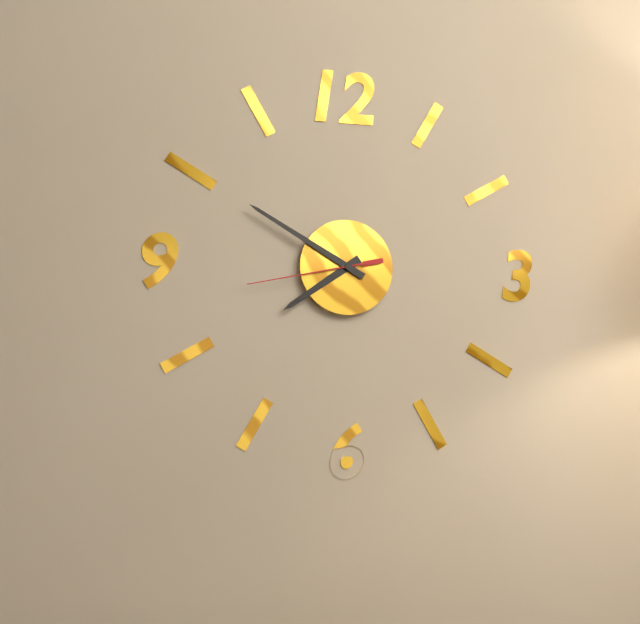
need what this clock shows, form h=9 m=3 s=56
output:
h=7 m=50 s=43
